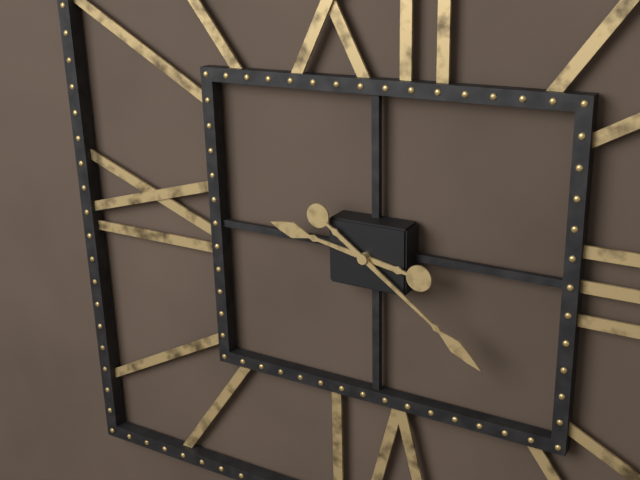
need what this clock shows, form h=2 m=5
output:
h=9 m=21
